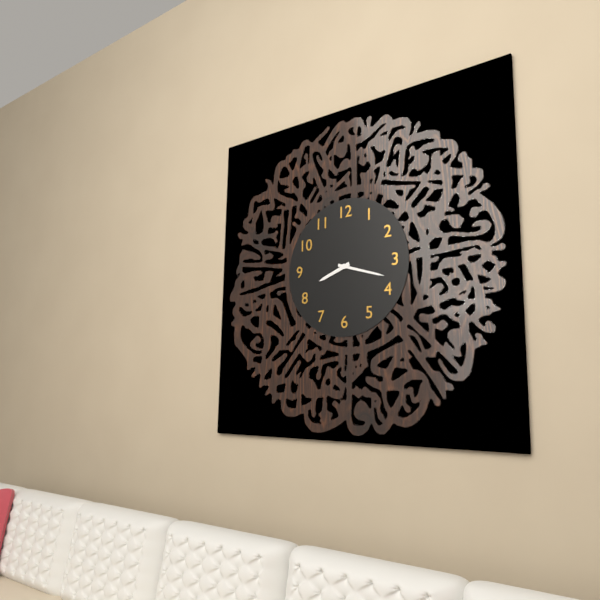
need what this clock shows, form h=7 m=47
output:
h=8 m=18
